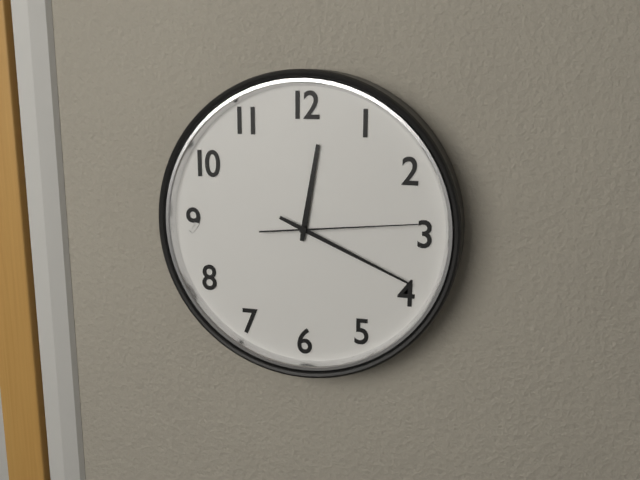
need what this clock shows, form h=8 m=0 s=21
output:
h=12 m=19 s=14
